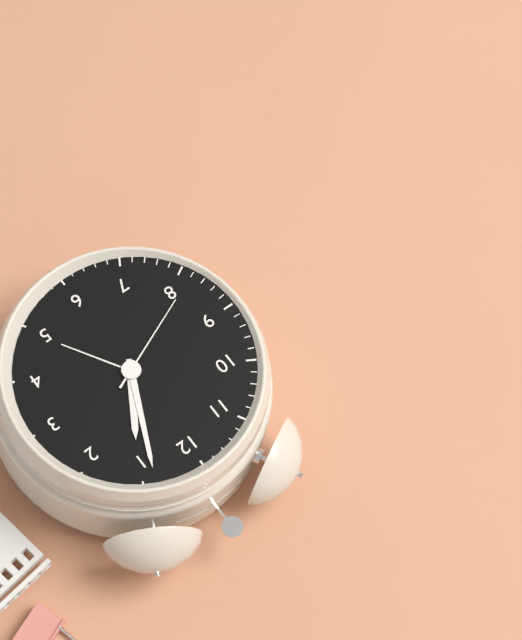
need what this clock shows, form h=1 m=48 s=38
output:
h=1 m=4 s=41
